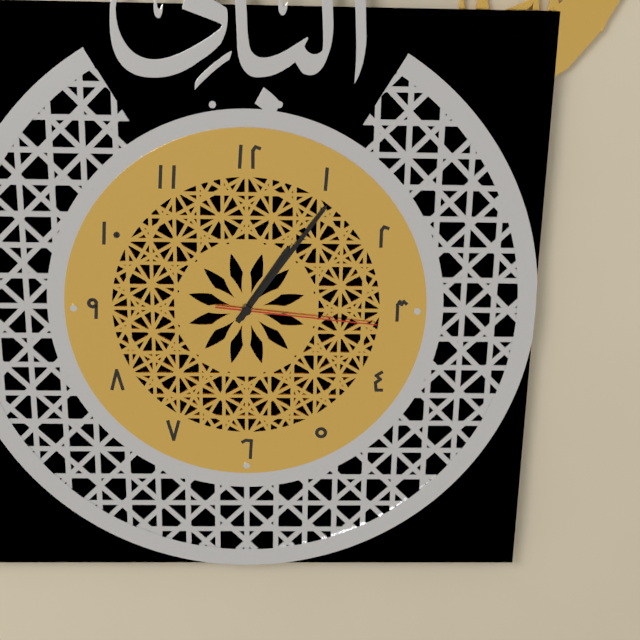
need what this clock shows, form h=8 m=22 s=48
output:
h=1 m=6 s=16
